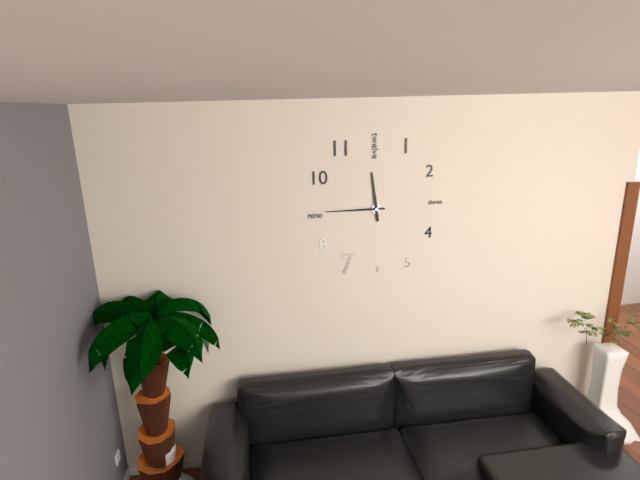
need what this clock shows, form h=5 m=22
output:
h=11 m=45
